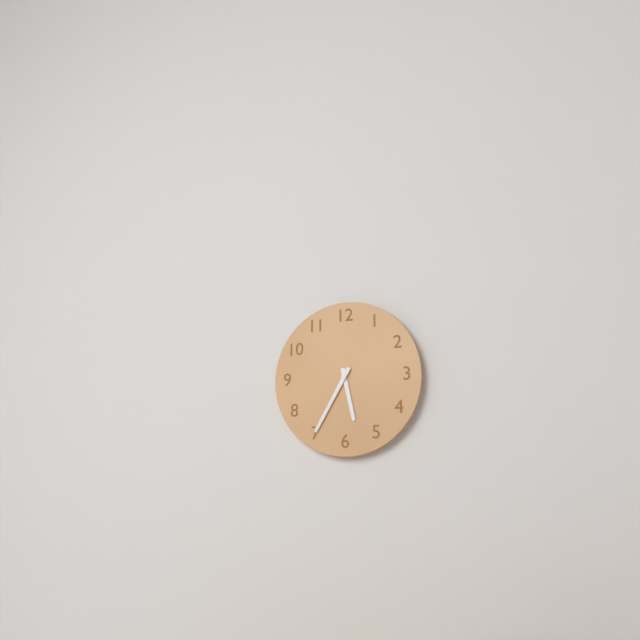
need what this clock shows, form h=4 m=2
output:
h=5 m=35
